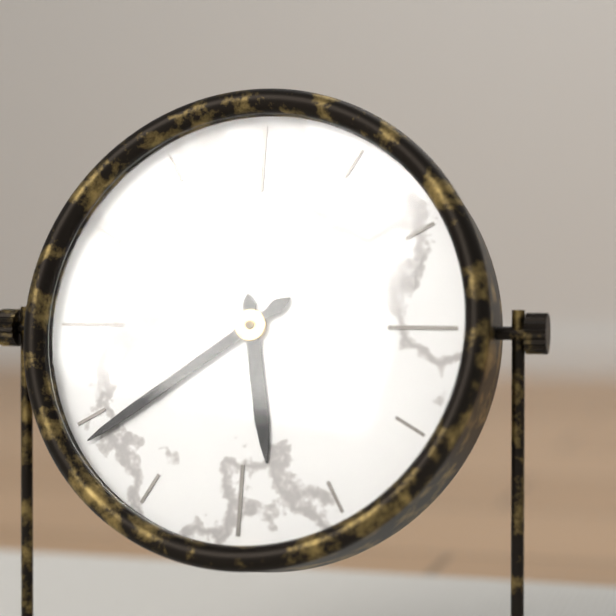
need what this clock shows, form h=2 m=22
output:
h=5 m=39
